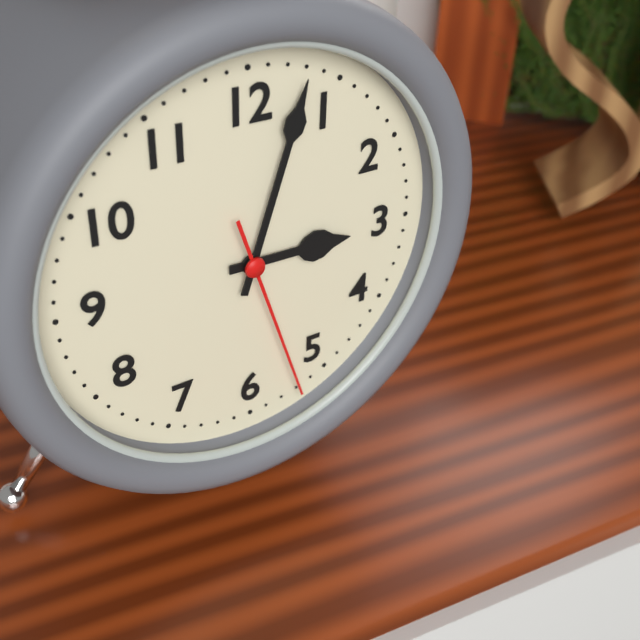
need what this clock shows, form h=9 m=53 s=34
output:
h=3 m=3 s=27
